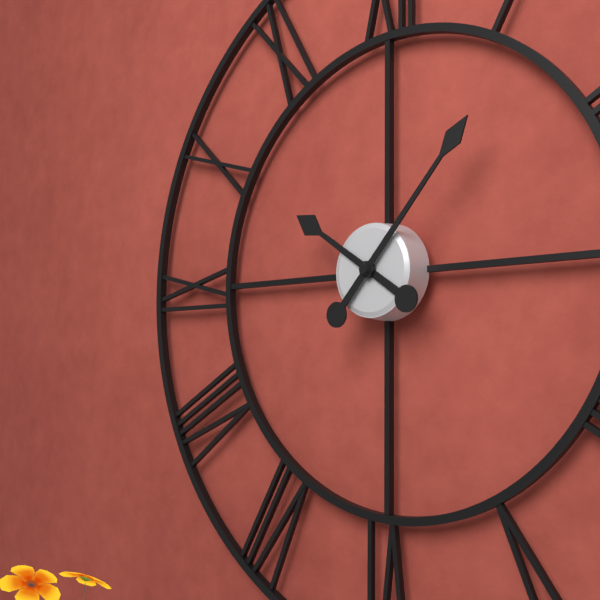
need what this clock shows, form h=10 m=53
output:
h=10 m=7
